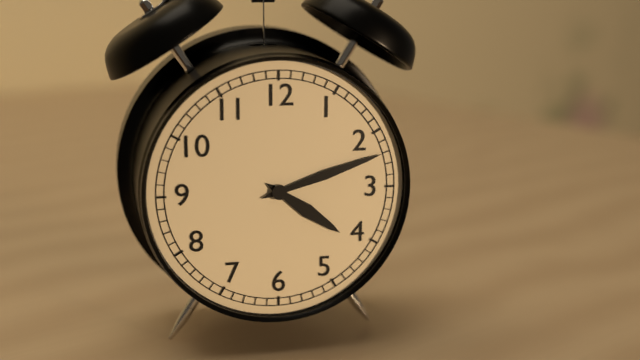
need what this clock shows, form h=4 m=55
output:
h=4 m=12
